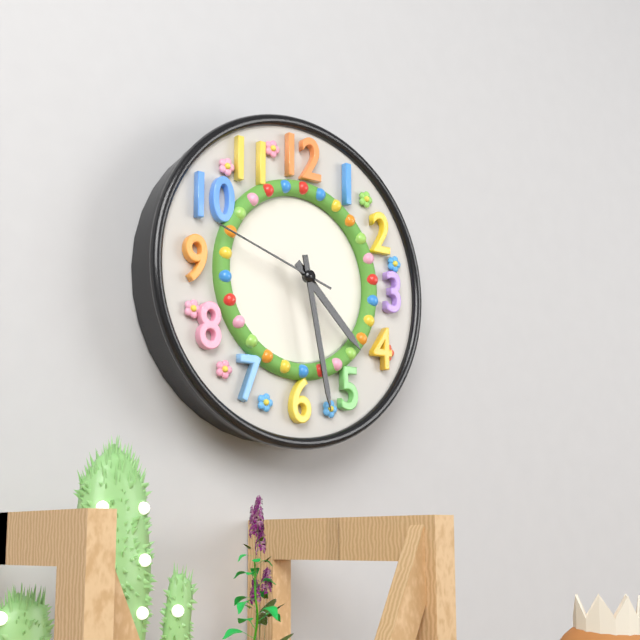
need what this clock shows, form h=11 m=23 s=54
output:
h=4 m=28 s=48
